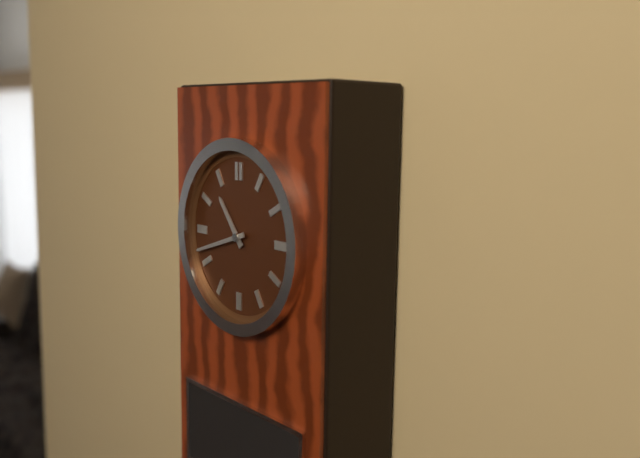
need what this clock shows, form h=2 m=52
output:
h=10 m=42
